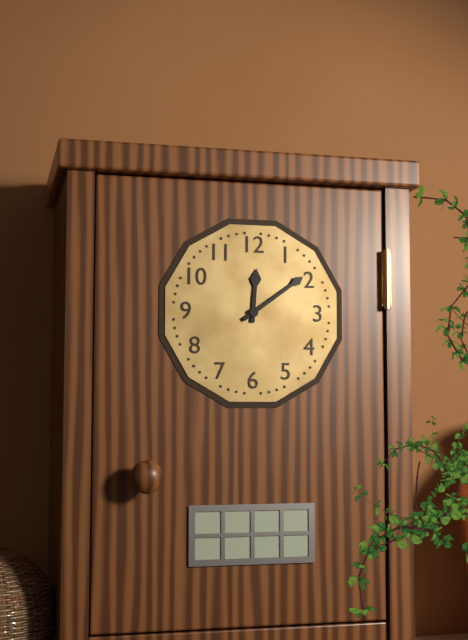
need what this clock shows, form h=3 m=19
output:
h=12 m=9
